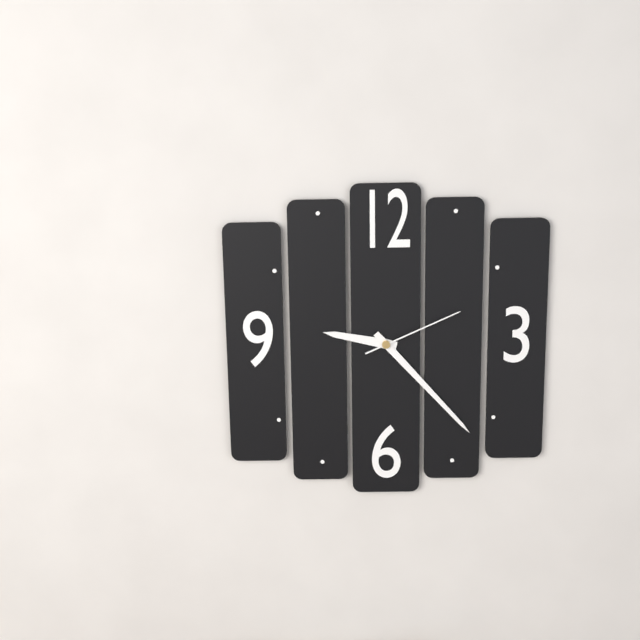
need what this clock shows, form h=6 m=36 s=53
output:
h=9 m=23 s=11
